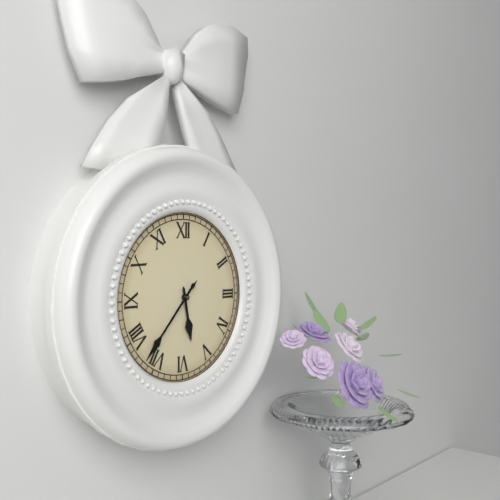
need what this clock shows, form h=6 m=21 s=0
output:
h=5 m=37 s=37
